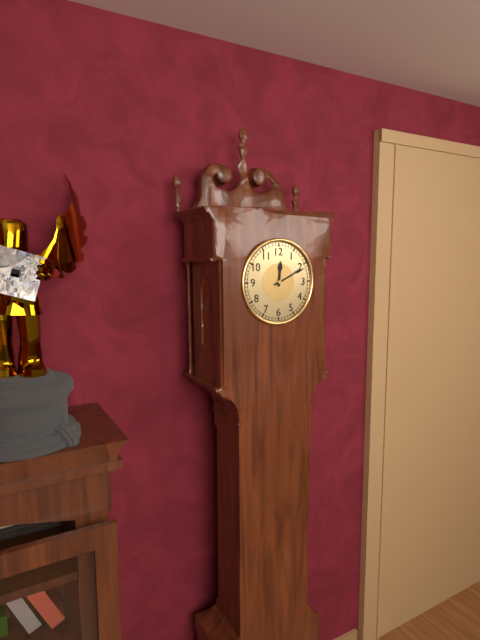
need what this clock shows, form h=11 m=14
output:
h=12 m=11
